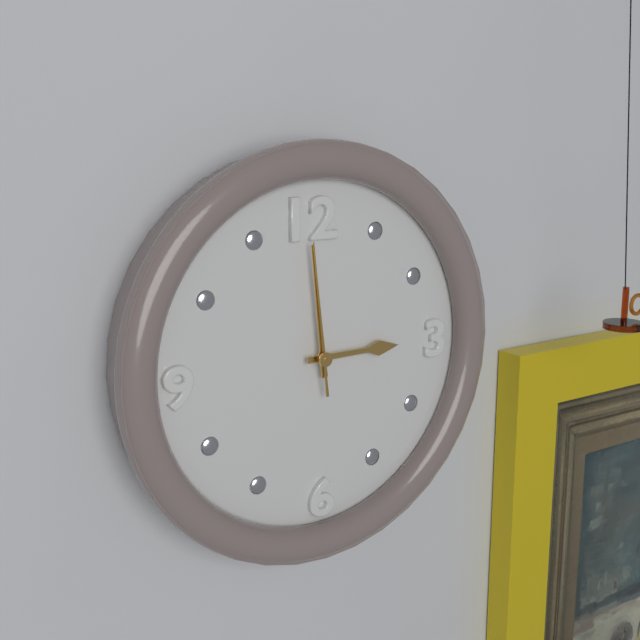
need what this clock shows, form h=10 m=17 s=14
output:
h=2 m=59 s=59
